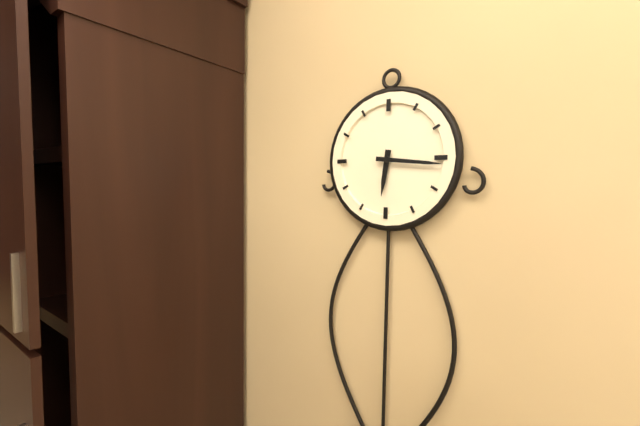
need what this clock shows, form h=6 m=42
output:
h=6 m=16
